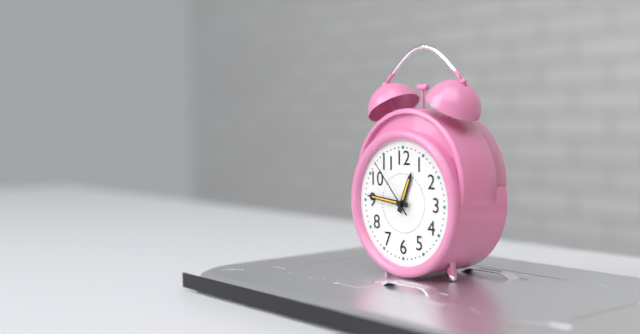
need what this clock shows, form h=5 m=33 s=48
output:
h=12 m=46 s=53
